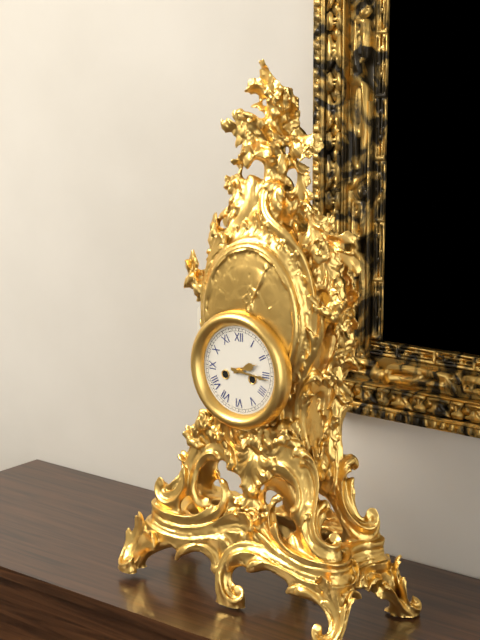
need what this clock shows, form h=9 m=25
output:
h=2 m=16
